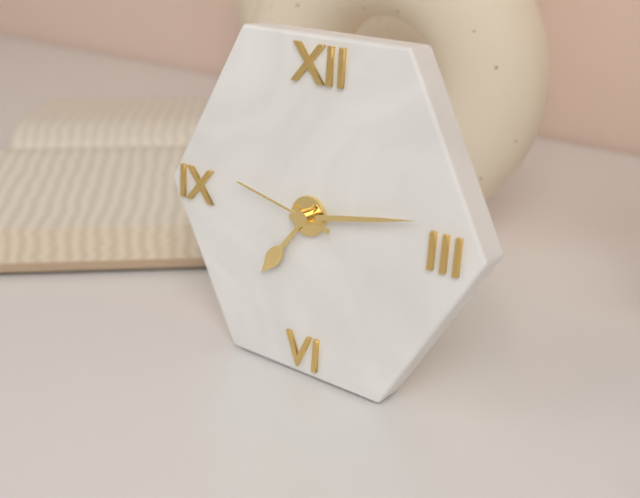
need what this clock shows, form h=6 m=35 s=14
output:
h=7 m=13 s=47
